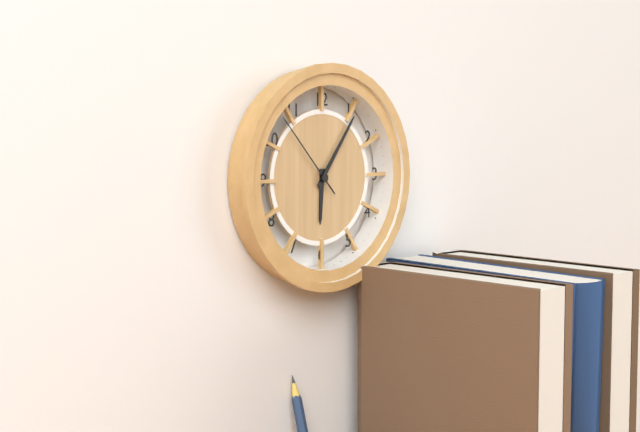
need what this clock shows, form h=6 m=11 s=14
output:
h=6 m=6 s=53
